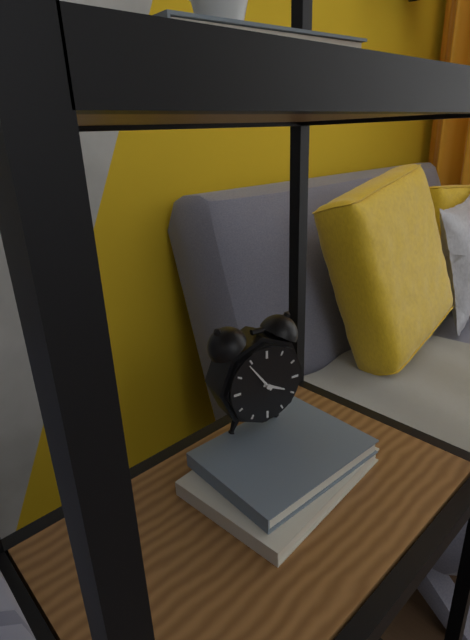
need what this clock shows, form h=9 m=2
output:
h=3 m=54
